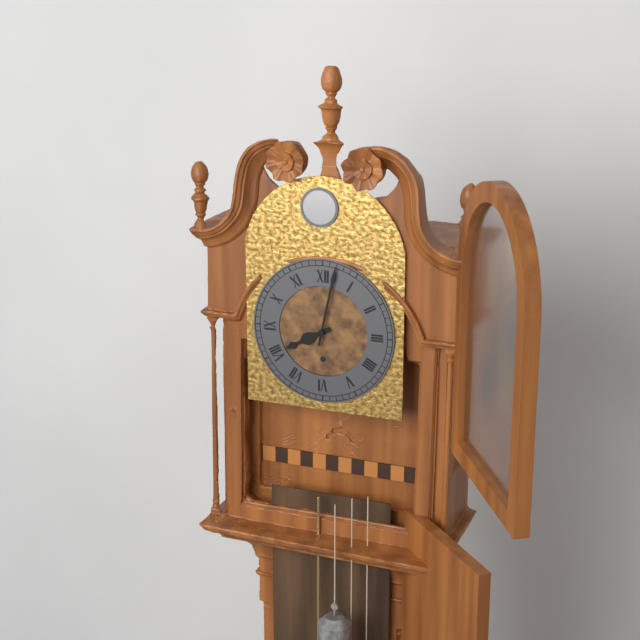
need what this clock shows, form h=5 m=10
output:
h=8 m=2
